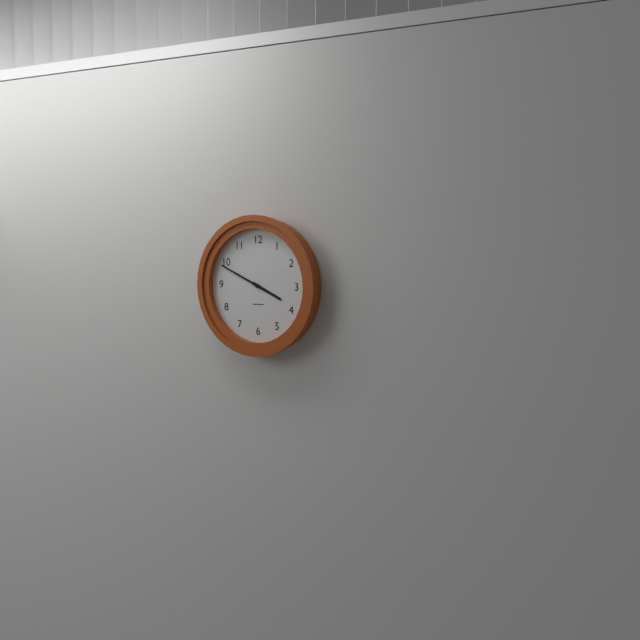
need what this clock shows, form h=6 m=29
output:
h=3 m=49
